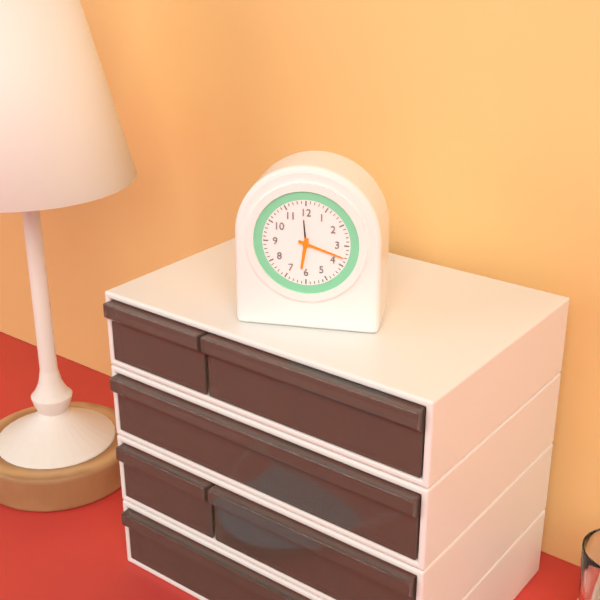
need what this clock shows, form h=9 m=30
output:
h=6 m=18
